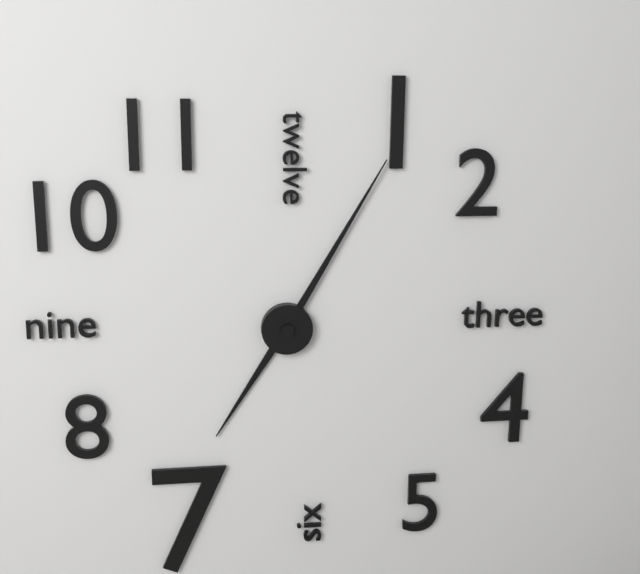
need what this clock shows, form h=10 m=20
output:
h=7 m=5
